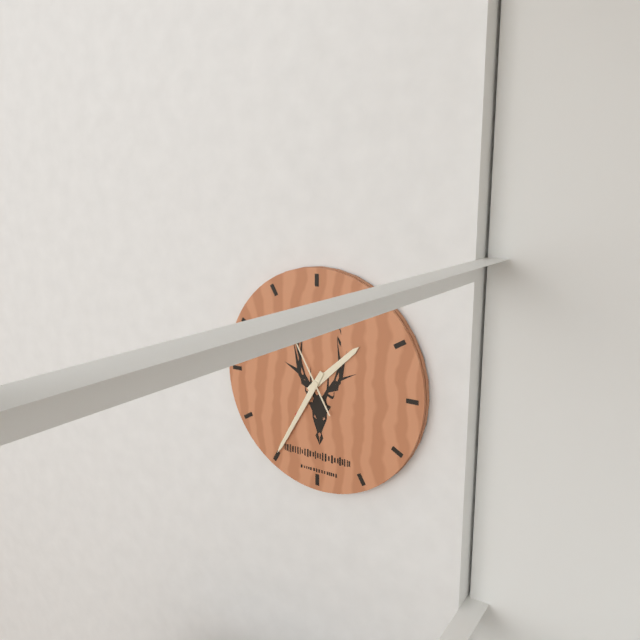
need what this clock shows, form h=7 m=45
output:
h=1 m=35
